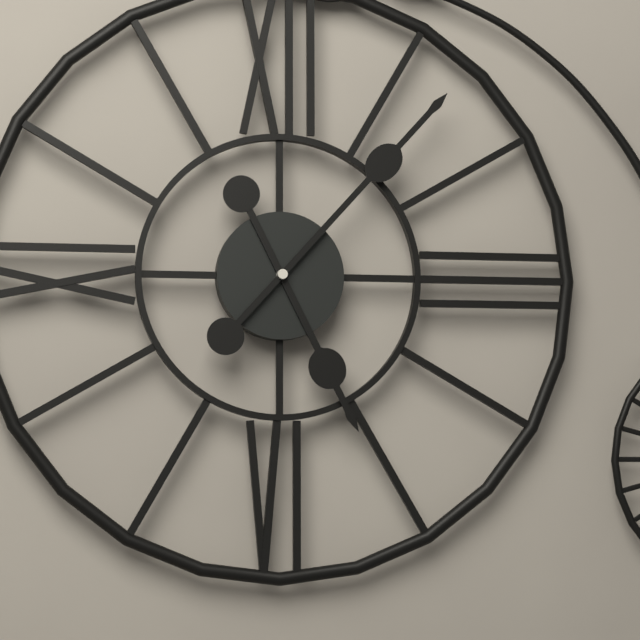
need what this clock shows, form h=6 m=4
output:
h=5 m=7
